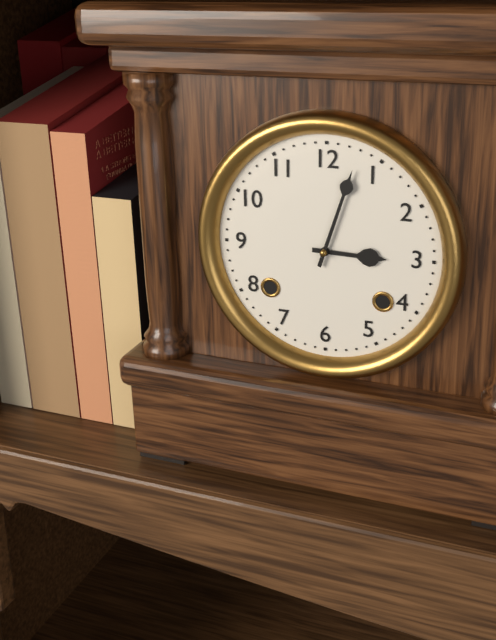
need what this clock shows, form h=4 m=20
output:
h=3 m=3
